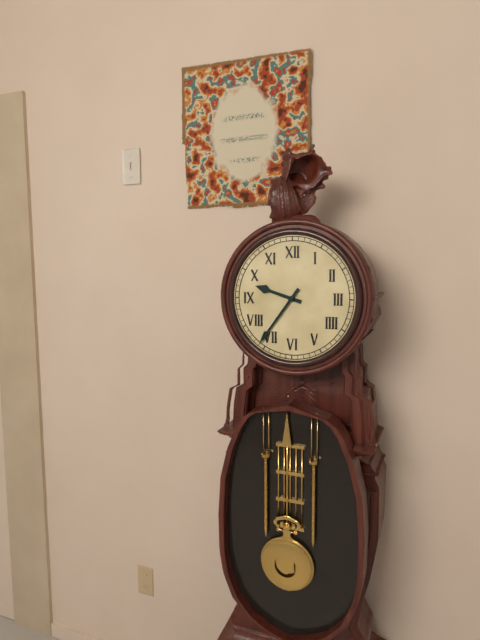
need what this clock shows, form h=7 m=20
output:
h=9 m=36
